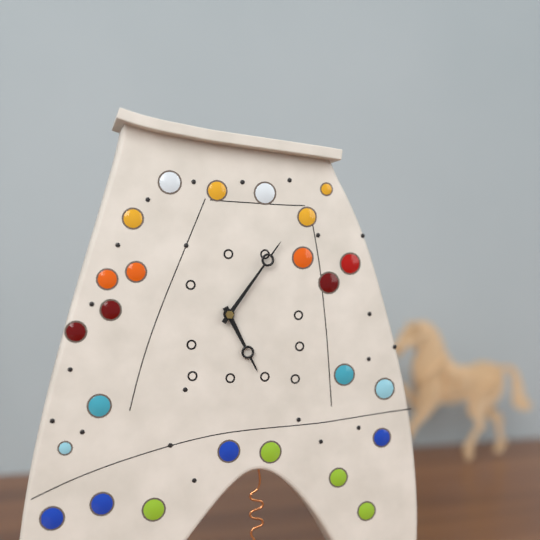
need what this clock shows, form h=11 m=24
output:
h=5 m=6
